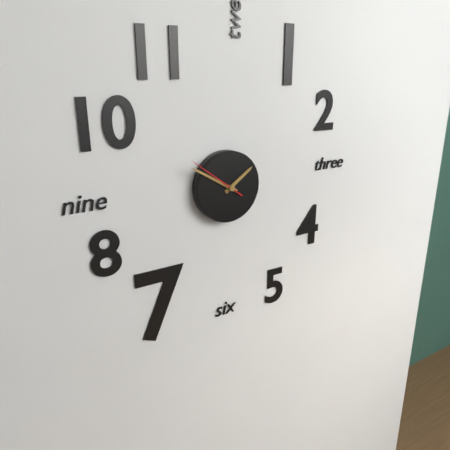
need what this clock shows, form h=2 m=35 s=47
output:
h=1 m=50 s=51
